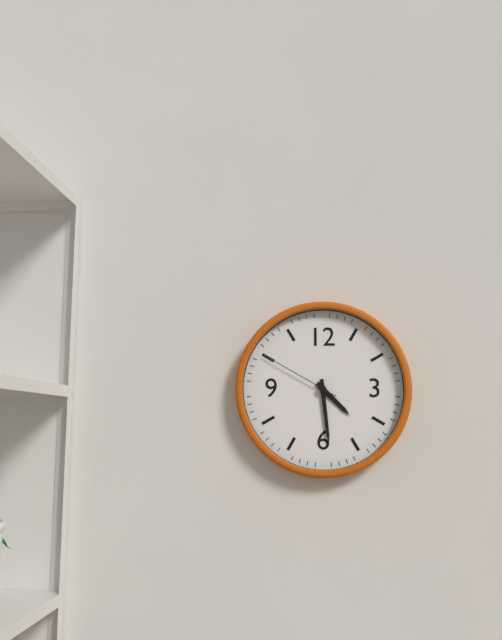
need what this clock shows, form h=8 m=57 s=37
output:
h=4 m=29 s=50
